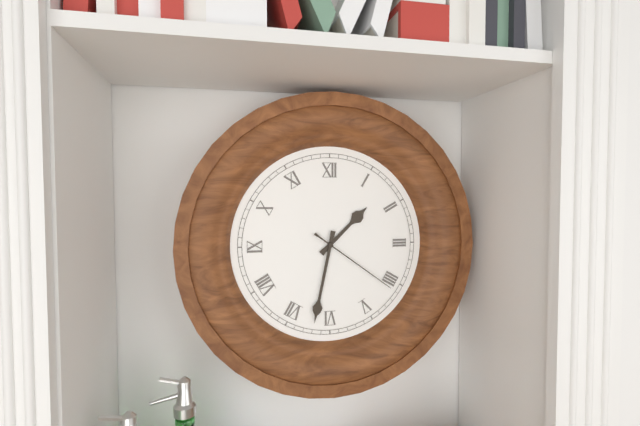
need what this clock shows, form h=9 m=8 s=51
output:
h=1 m=32 s=21
